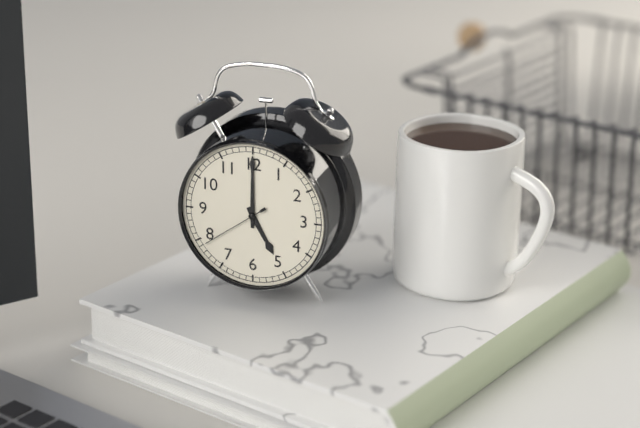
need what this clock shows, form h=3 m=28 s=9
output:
h=5 m=0 s=39
